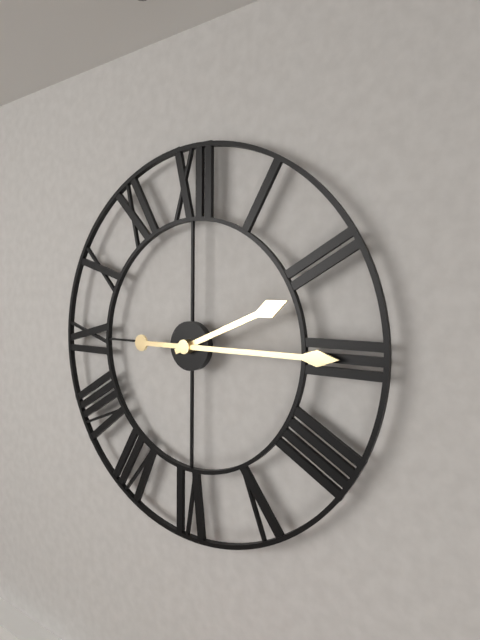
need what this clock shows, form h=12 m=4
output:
h=2 m=15
